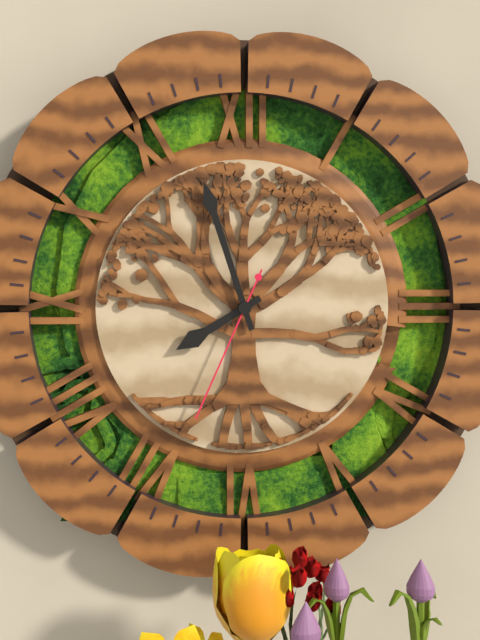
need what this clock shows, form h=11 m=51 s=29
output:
h=7 m=57 s=34
